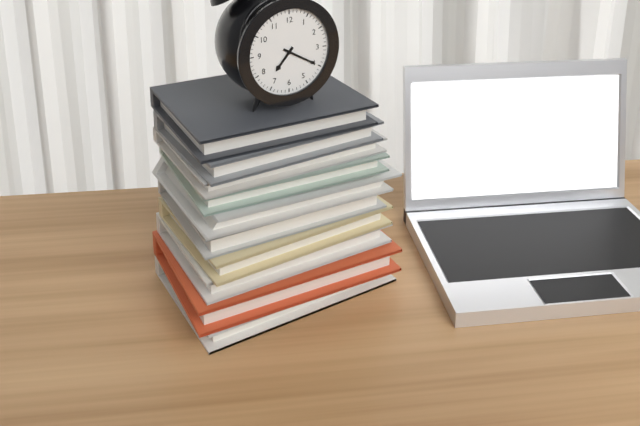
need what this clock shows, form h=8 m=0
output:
h=7 m=20
